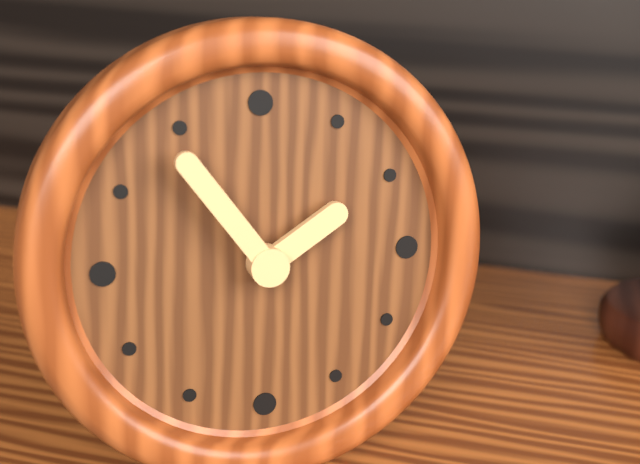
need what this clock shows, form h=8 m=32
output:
h=1 m=54
